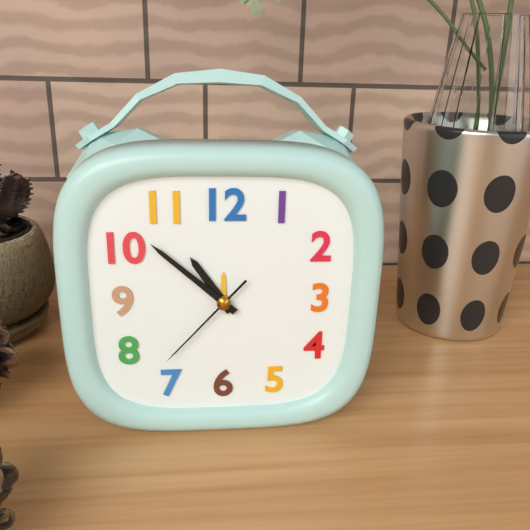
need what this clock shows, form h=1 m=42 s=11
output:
h=10 m=52 s=37
